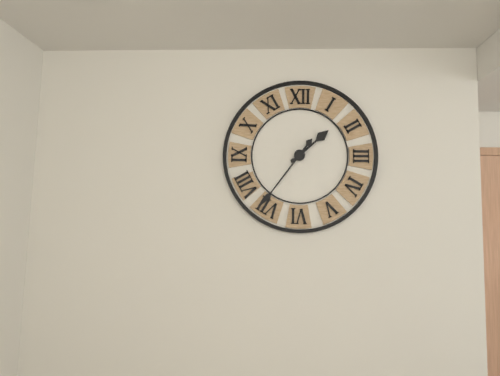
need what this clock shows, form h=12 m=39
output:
h=1 m=36
